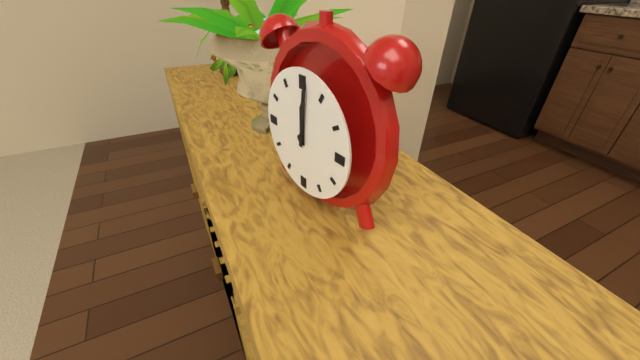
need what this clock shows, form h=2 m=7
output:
h=12 m=1
